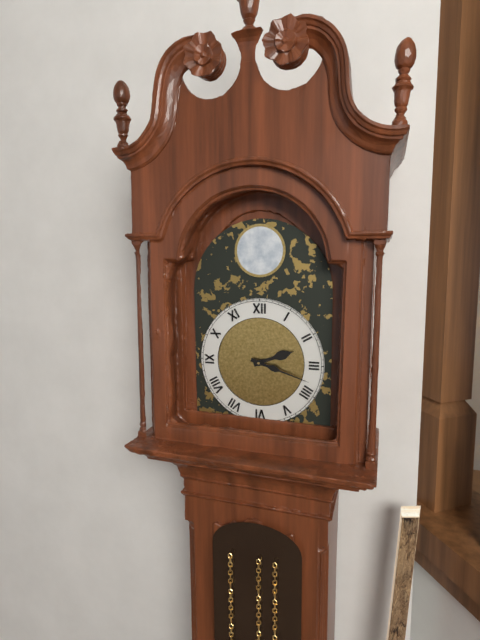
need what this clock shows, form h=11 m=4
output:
h=2 m=18
